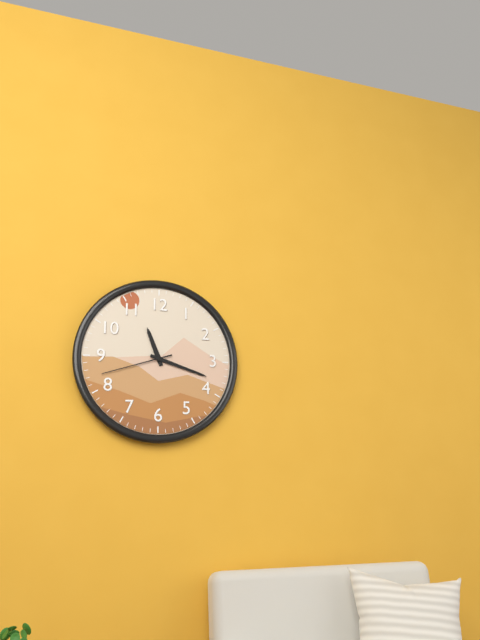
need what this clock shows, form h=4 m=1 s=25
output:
h=11 m=18 s=42
